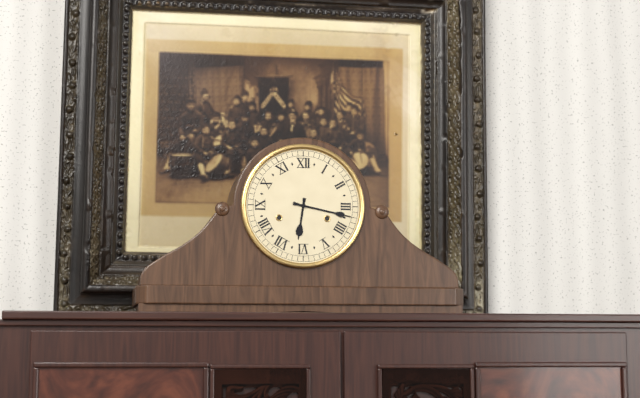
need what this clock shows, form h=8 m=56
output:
h=6 m=17
